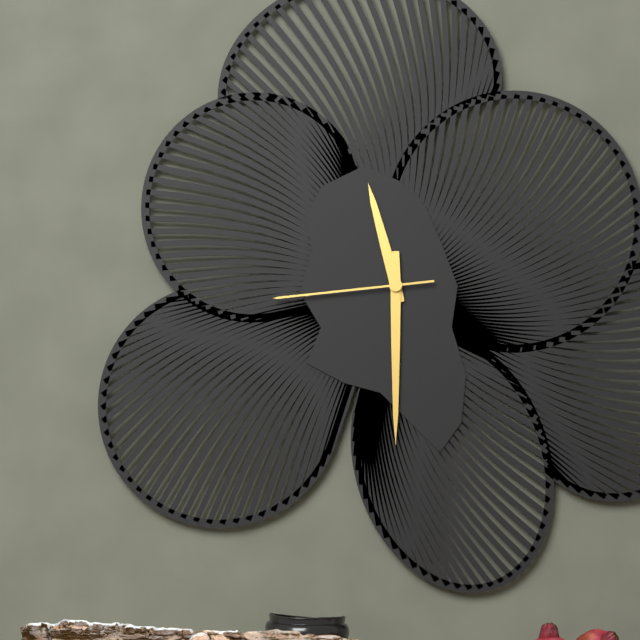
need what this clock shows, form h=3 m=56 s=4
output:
h=11 m=30 s=44
